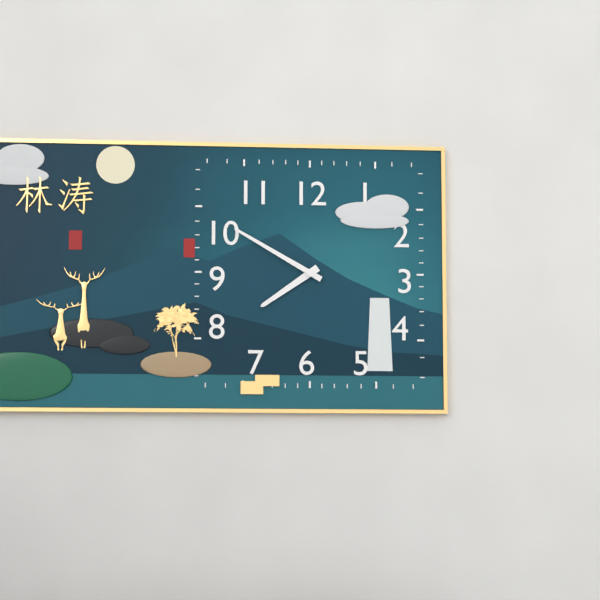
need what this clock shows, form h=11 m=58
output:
h=7 m=50
